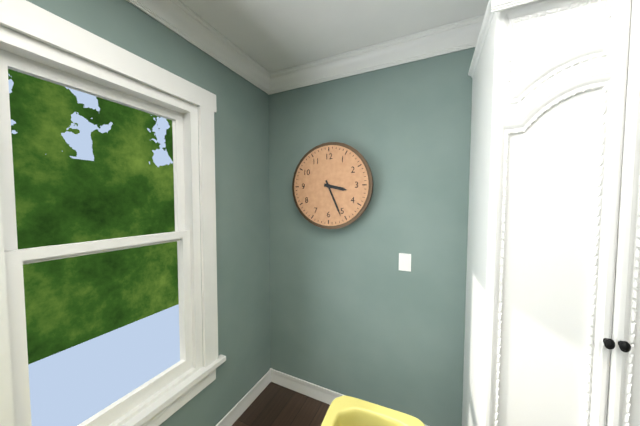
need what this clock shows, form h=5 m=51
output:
h=3 m=26
